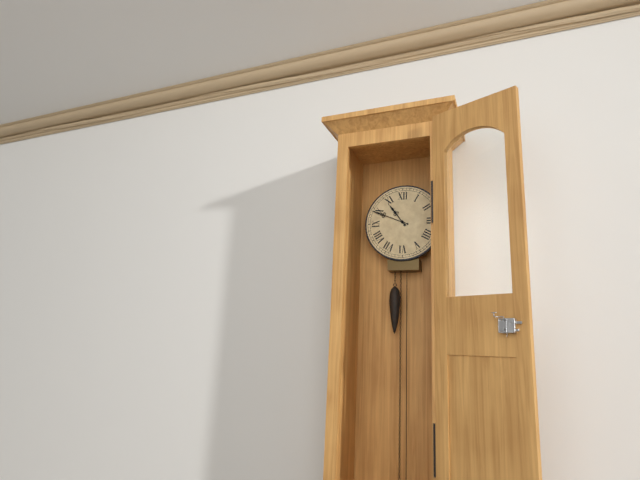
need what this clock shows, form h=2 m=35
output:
h=10 m=49
